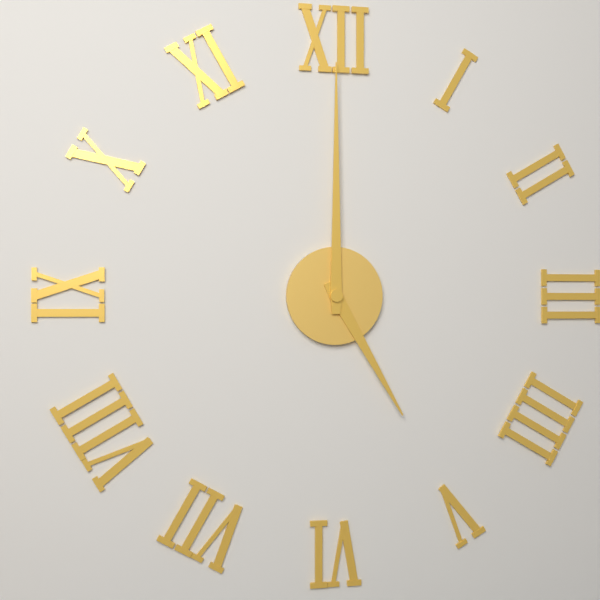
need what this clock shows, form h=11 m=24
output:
h=5 m=0
